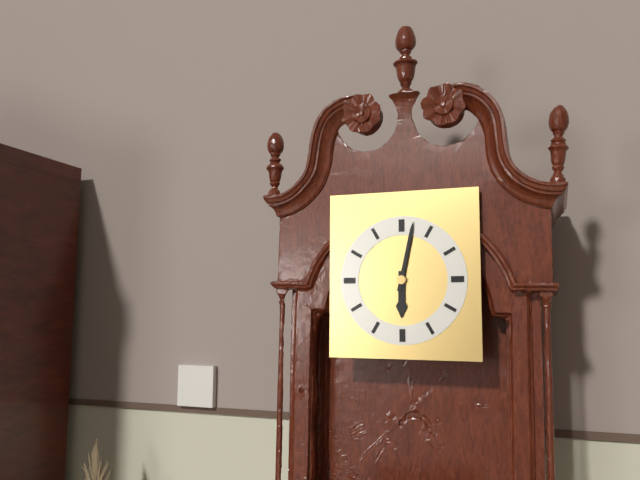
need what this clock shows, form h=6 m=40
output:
h=6 m=2
